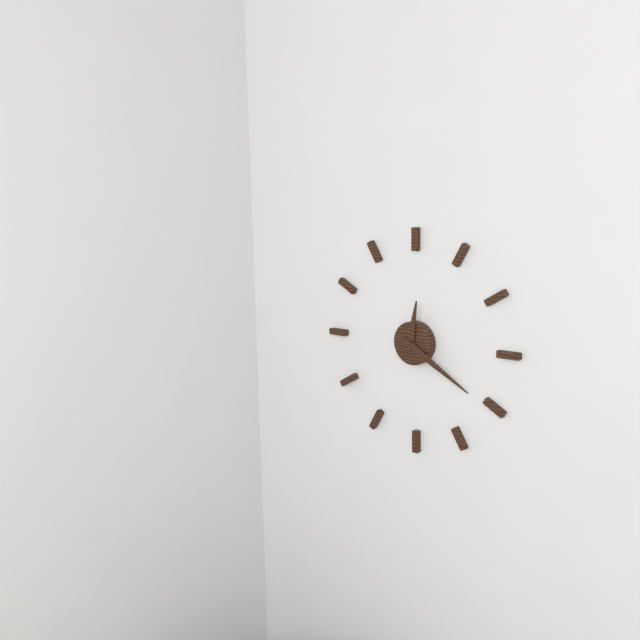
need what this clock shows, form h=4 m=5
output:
h=12 m=20
